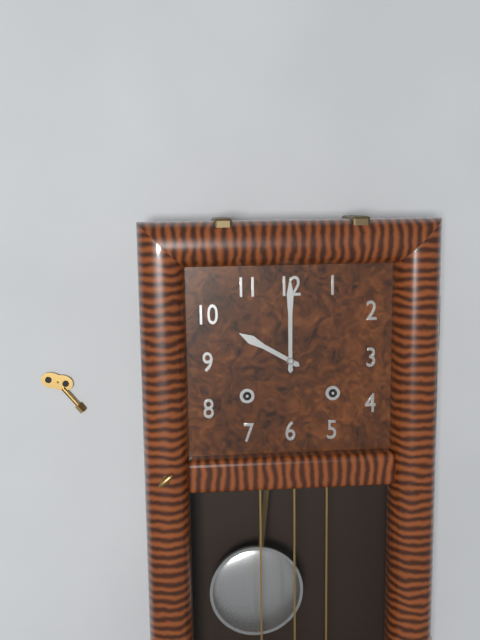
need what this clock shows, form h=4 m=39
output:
h=10 m=0
